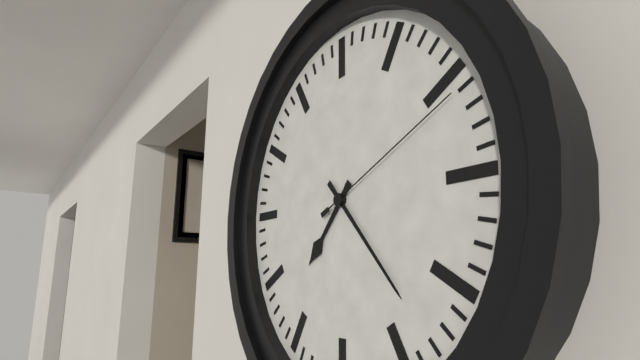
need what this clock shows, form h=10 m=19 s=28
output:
h=7 m=23 s=11
